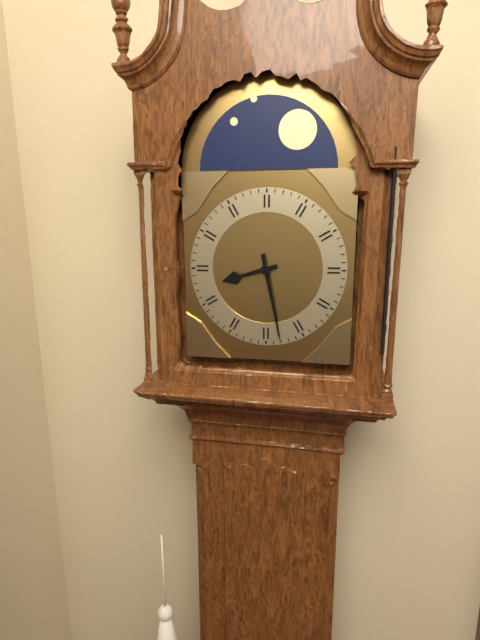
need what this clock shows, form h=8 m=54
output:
h=8 m=28
